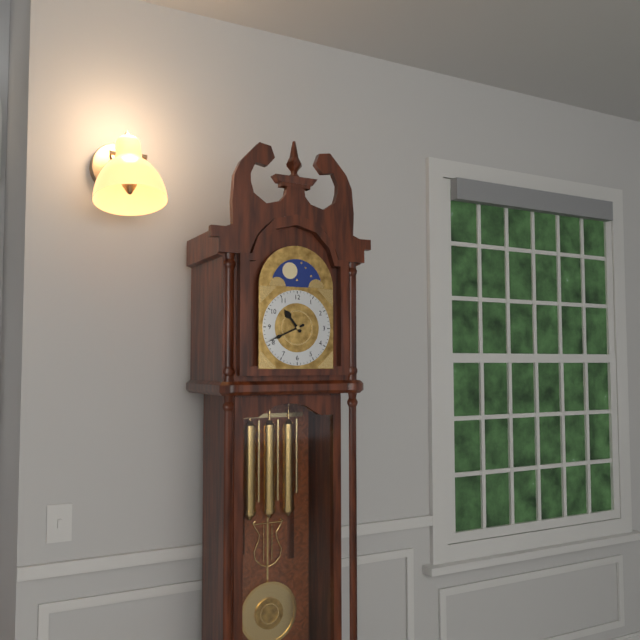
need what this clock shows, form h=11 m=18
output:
h=10 m=41
